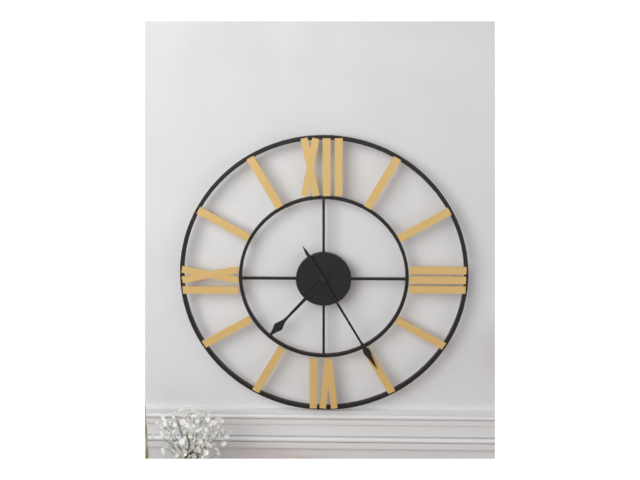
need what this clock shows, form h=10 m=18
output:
h=7 m=25
